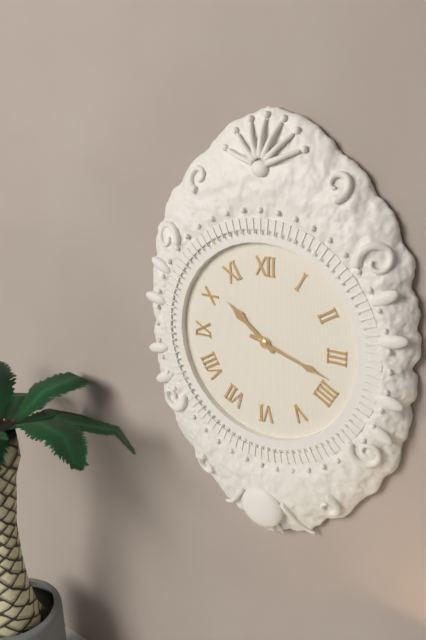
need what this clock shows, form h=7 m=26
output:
h=10 m=18
